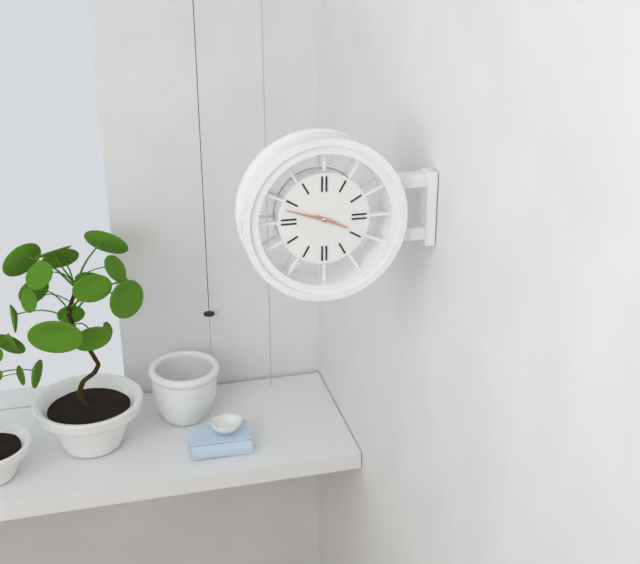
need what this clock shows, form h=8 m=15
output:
h=3 m=48
